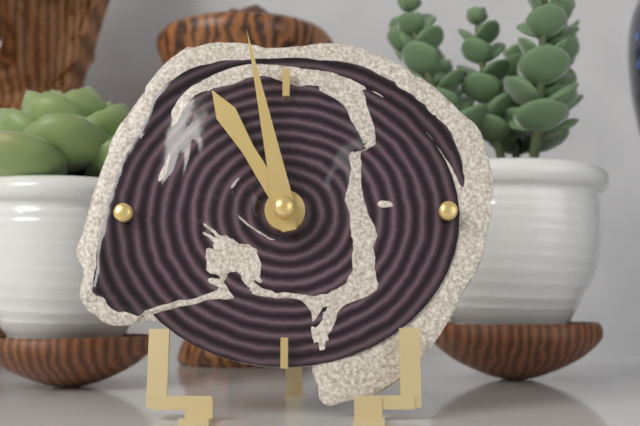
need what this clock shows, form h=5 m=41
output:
h=10 m=58
